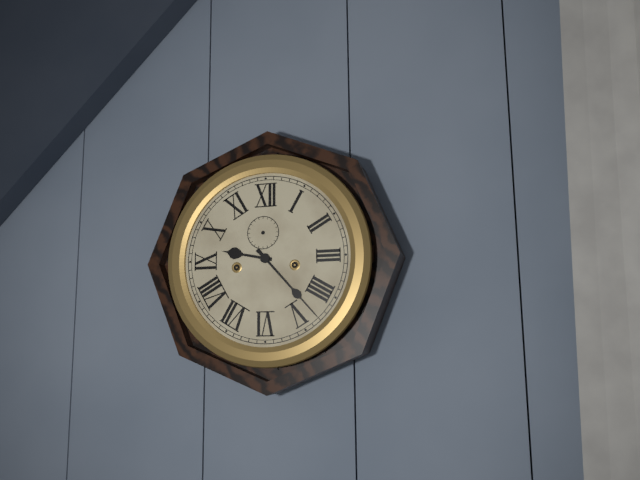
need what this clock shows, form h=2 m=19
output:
h=9 m=23
